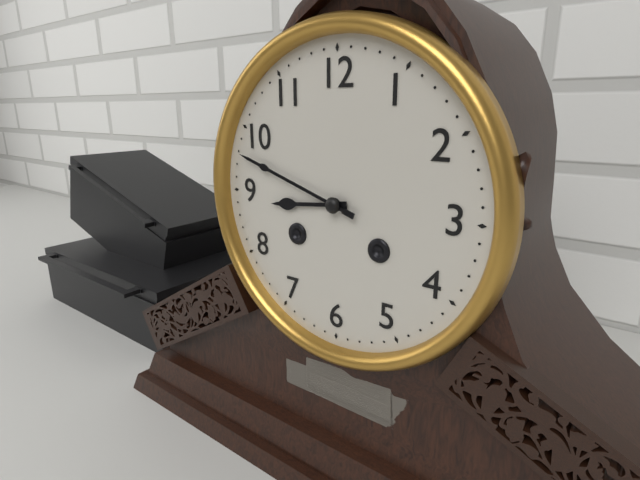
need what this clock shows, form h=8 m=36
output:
h=8 m=48
